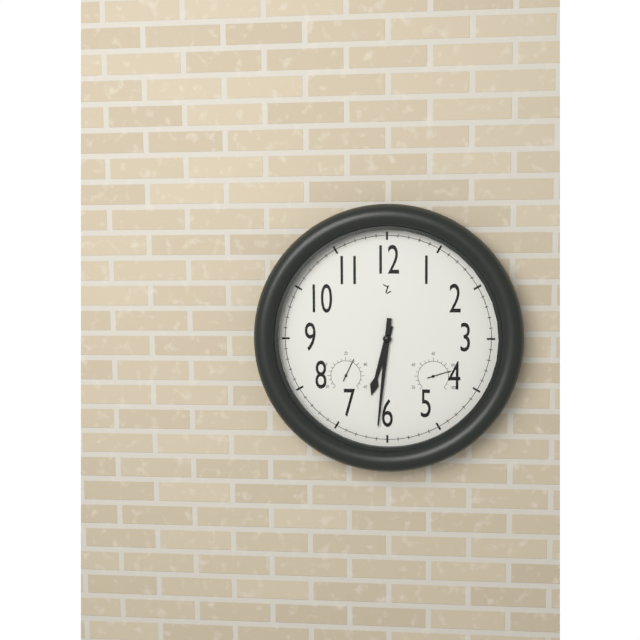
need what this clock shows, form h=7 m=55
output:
h=6 m=31
